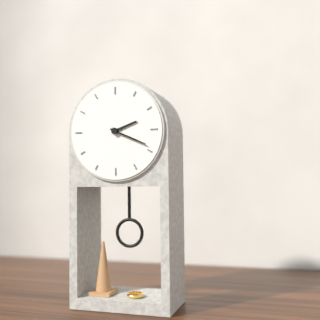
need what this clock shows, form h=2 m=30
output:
h=2 m=19
